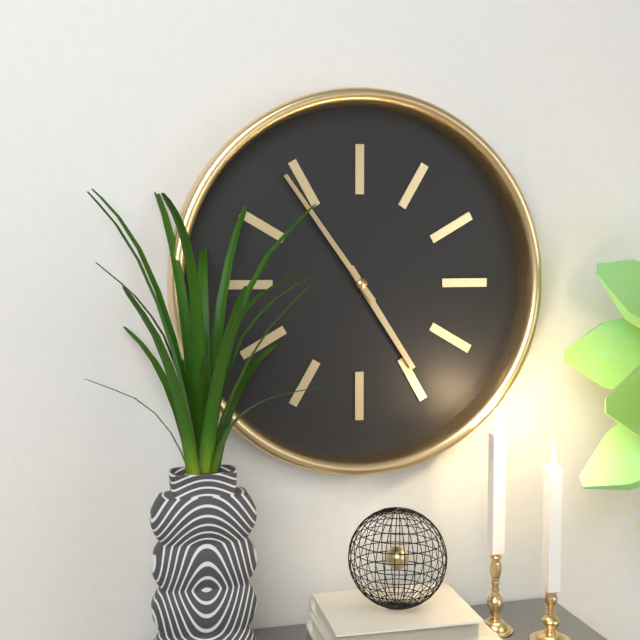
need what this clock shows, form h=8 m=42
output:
h=4 m=54
